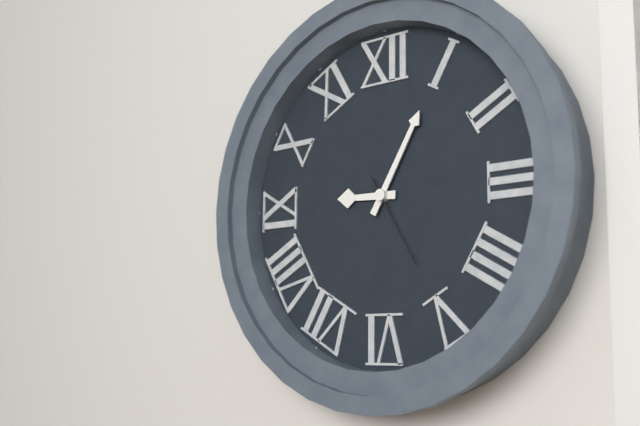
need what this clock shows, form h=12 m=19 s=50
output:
h=9 m=5 s=25
